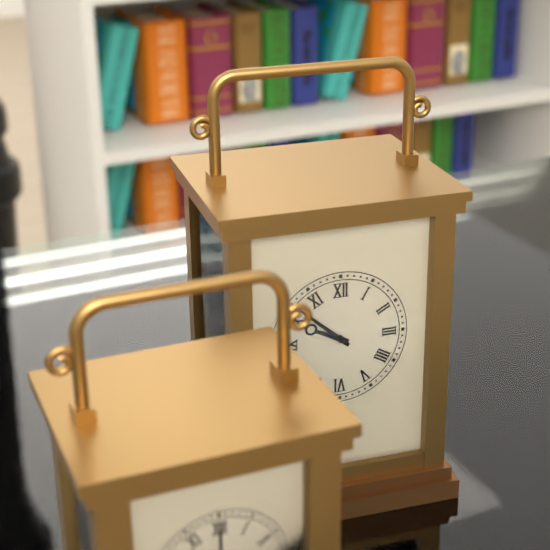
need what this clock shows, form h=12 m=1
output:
h=9 m=52
